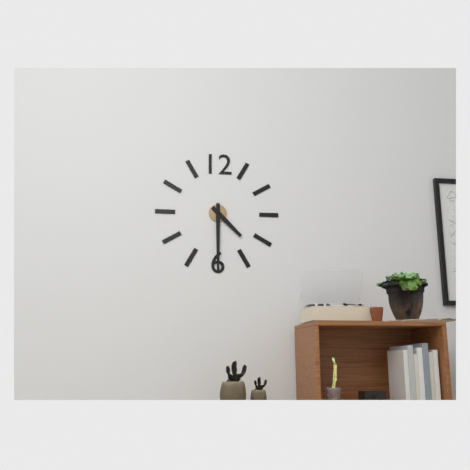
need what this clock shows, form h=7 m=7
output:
h=4 m=30
